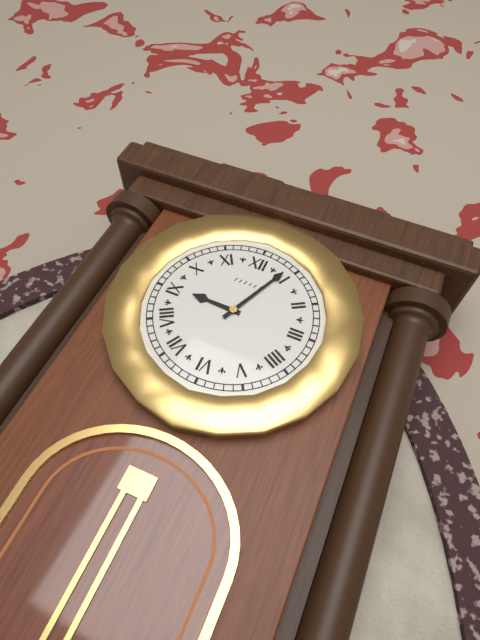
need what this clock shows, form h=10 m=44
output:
h=9 m=4
